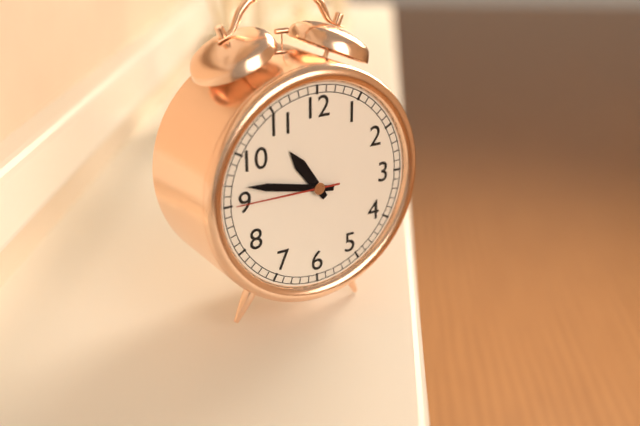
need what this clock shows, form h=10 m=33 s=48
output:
h=10 m=47 s=45
